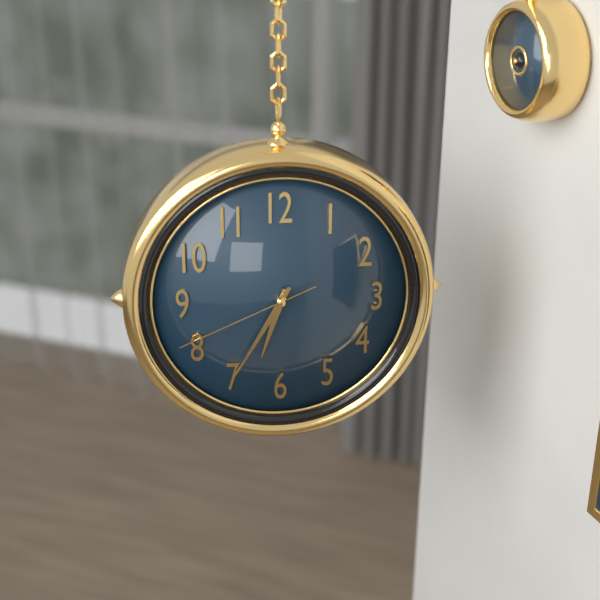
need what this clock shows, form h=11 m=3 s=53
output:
h=6 m=35 s=41
